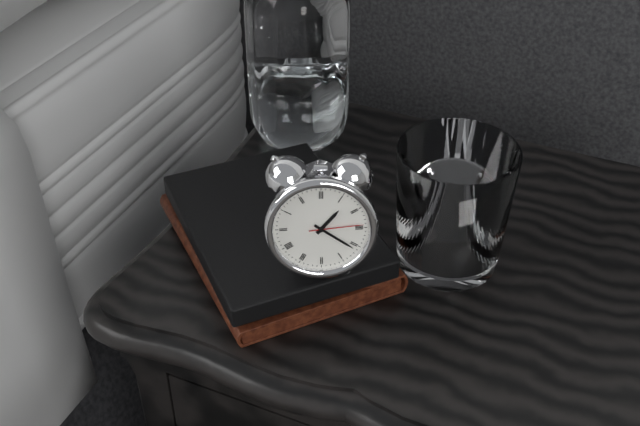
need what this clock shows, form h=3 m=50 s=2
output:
h=1 m=21 s=14
